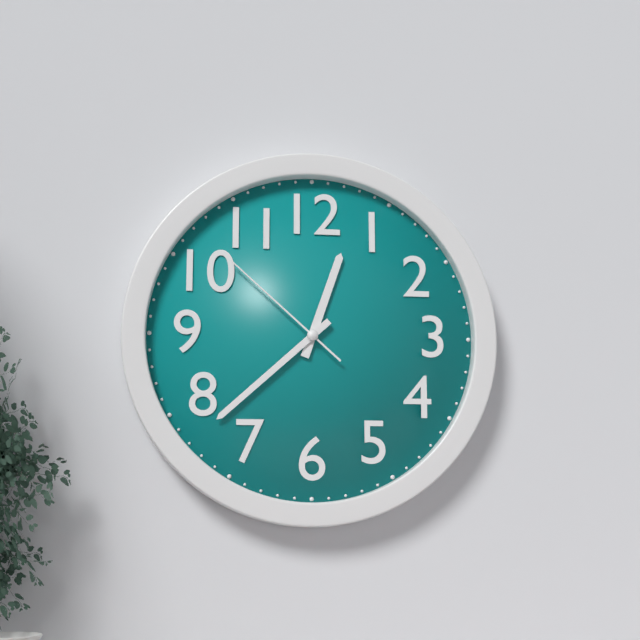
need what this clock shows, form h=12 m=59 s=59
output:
h=12 m=38 s=52
